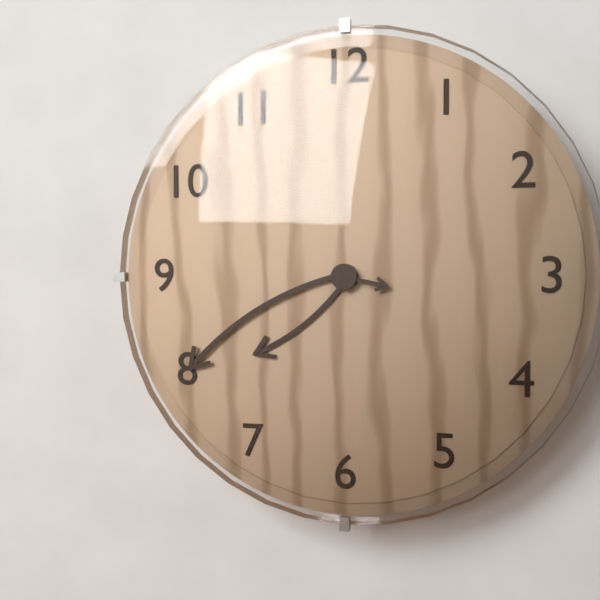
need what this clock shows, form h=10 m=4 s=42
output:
h=7 m=40 s=17
